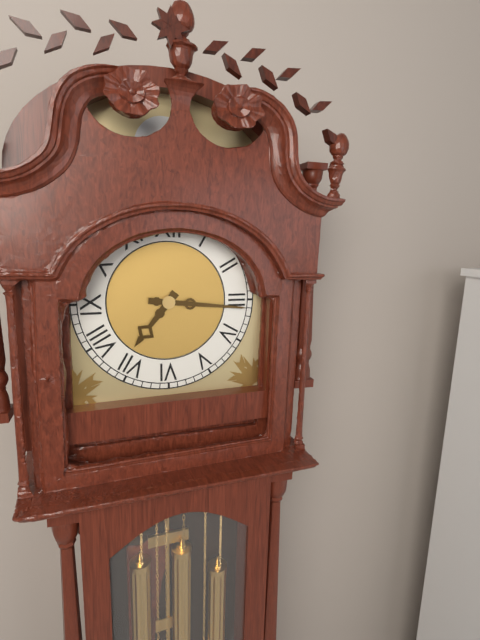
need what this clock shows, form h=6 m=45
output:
h=7 m=16
